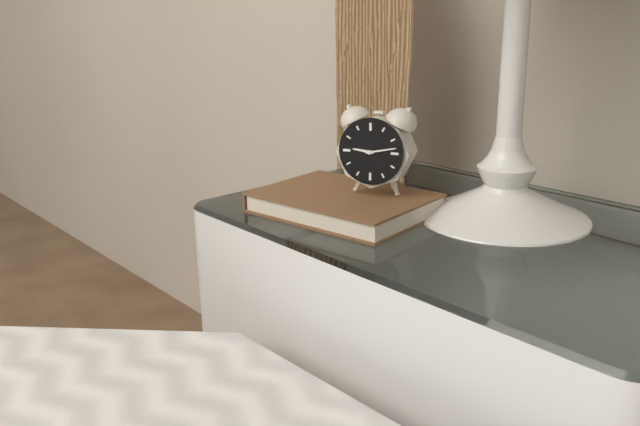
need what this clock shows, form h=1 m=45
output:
h=9 m=13
